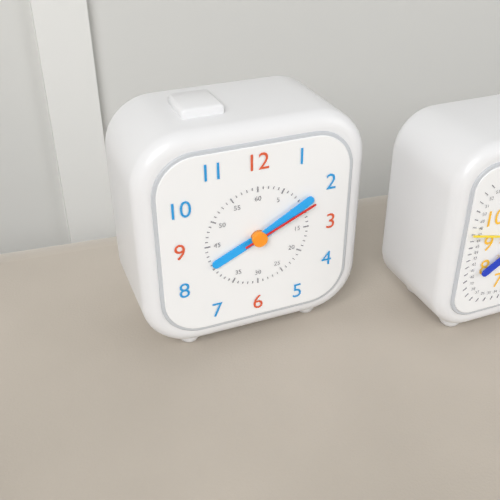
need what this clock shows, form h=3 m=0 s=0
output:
h=8 m=10 s=11
